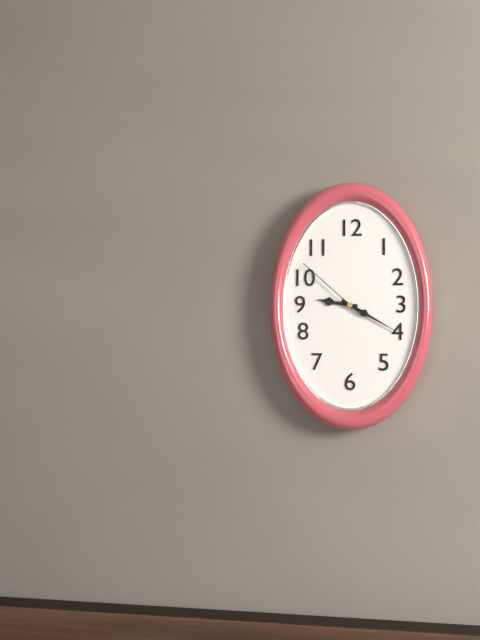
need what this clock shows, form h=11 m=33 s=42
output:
h=9 m=20 s=52
